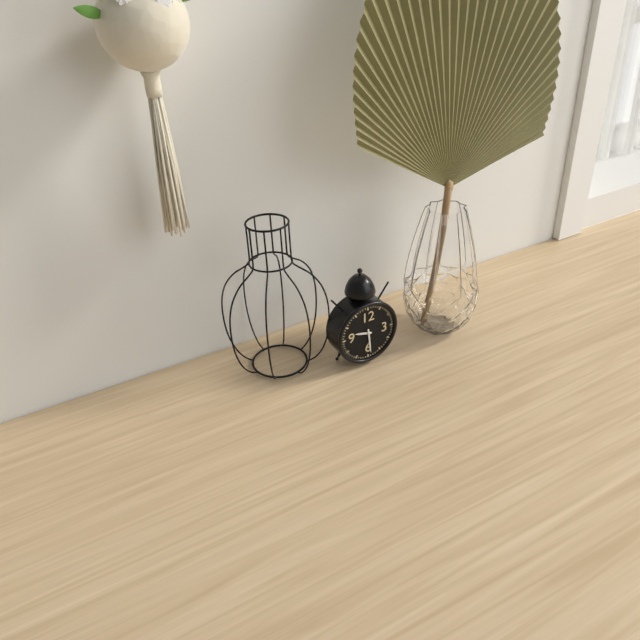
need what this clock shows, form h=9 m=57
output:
h=9 m=29
